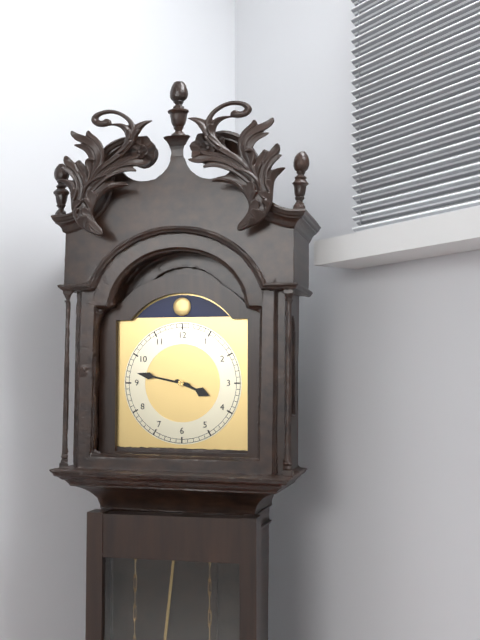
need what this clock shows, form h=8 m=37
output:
h=3 m=47
